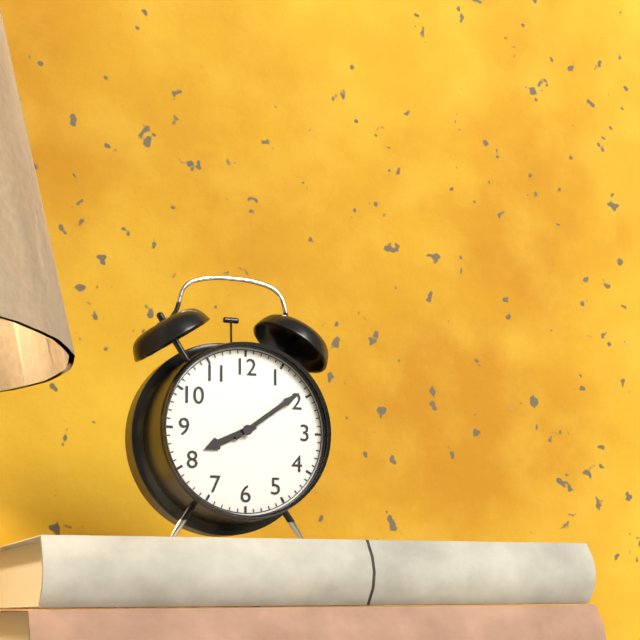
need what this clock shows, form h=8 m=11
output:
h=8 m=9
